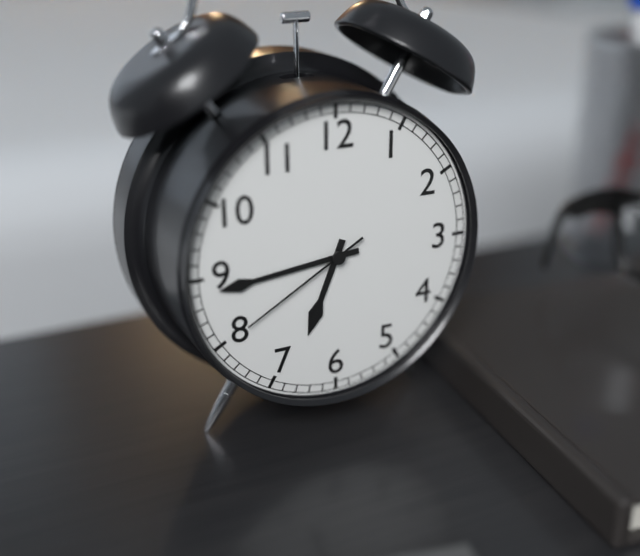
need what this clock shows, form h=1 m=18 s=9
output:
h=6 m=44 s=40
